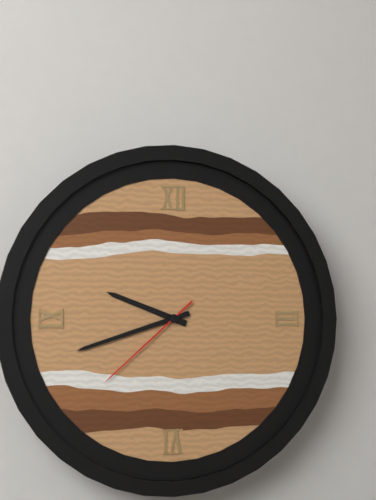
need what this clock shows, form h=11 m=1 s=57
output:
h=9 m=42 s=38
